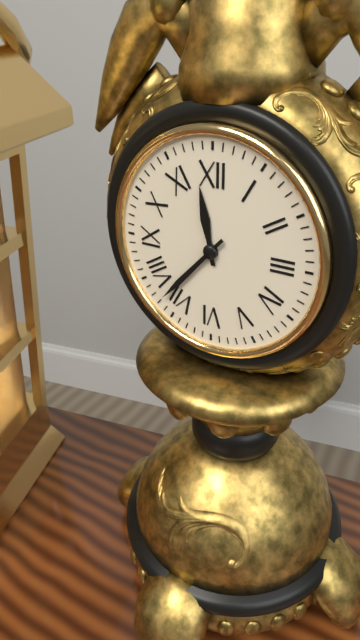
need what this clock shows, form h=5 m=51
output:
h=11 m=37
